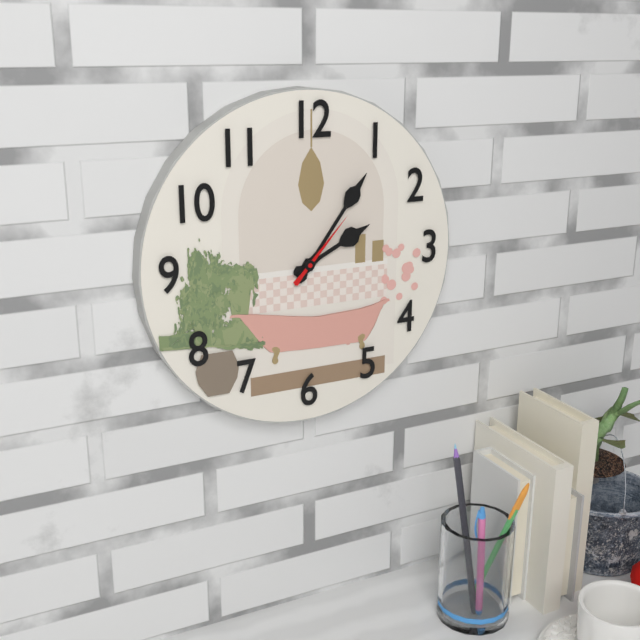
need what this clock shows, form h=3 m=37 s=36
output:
h=2 m=6 s=7
